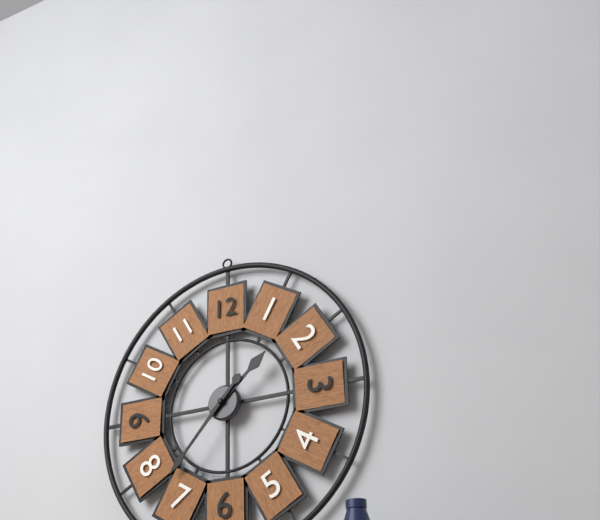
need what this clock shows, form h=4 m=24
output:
h=1 m=37
